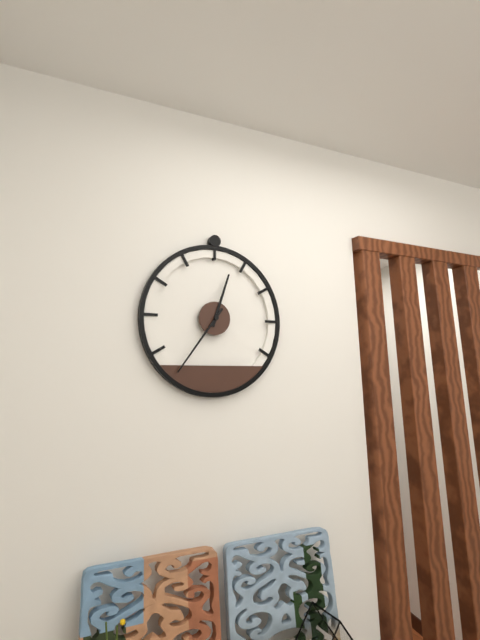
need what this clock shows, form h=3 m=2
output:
h=12 m=36
